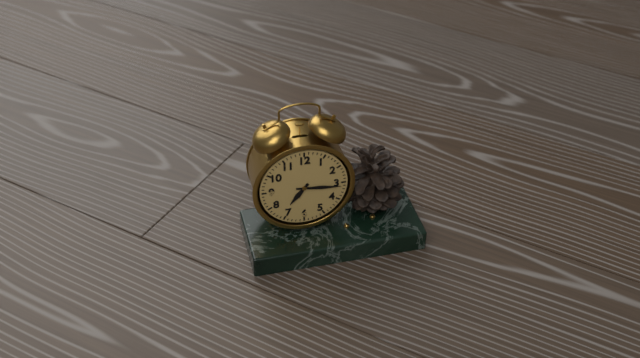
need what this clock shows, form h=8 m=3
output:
h=7 m=16
